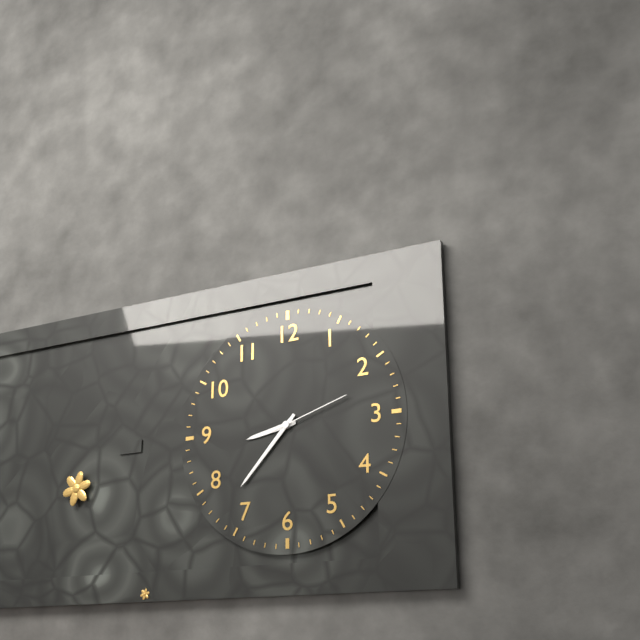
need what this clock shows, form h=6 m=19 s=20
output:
h=8 m=37 s=12
